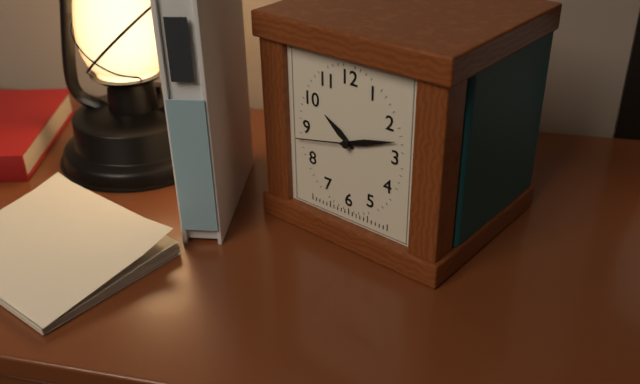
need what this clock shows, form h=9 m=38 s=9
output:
h=10 m=12 s=43
